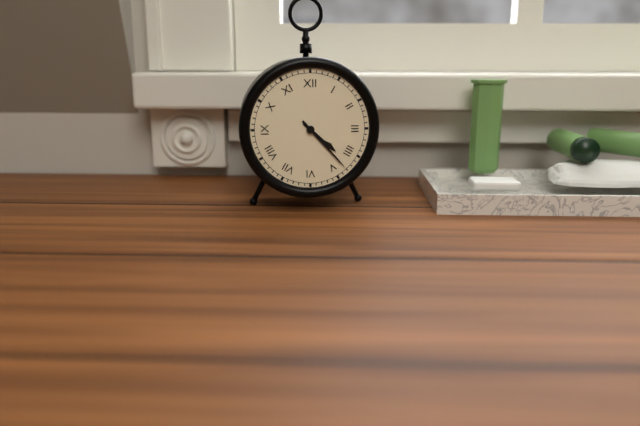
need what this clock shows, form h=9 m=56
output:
h=4 m=23
